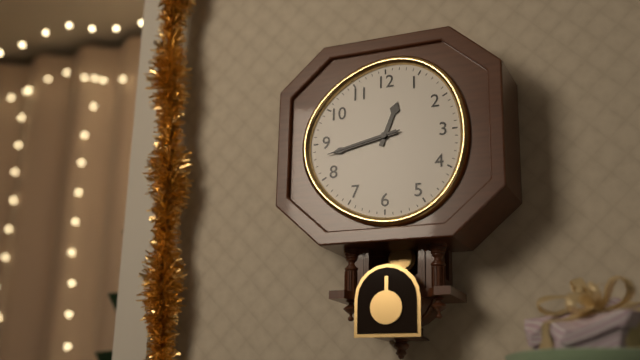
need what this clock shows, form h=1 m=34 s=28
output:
h=12 m=43 s=43
